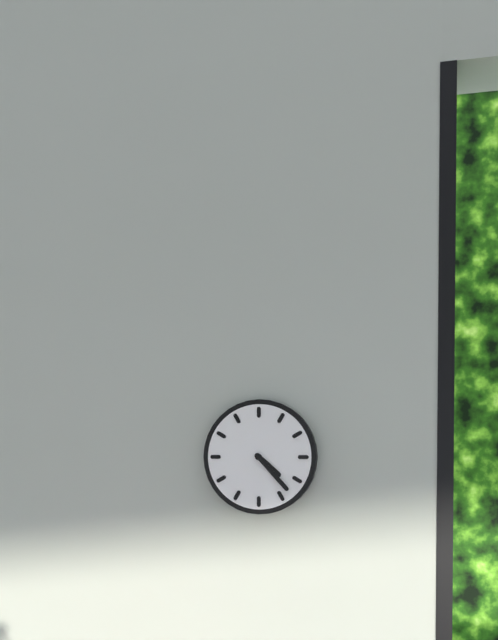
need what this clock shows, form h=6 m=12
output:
h=4 m=23
